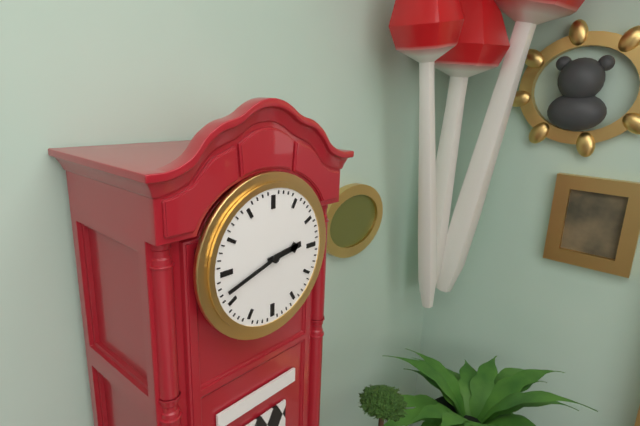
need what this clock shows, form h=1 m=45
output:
h=2 m=42
